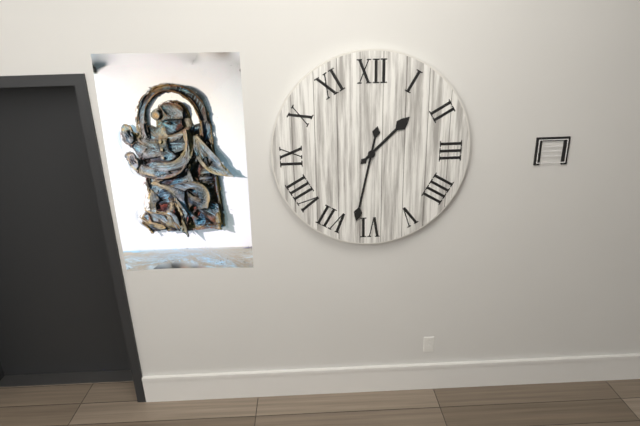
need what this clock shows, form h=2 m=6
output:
h=1 m=32
